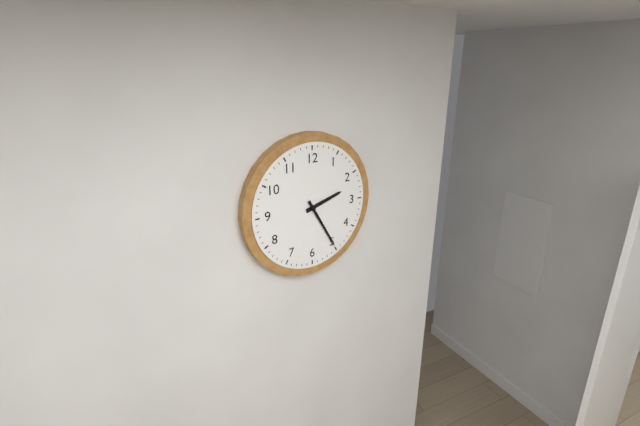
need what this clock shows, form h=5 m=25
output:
h=2 m=25
